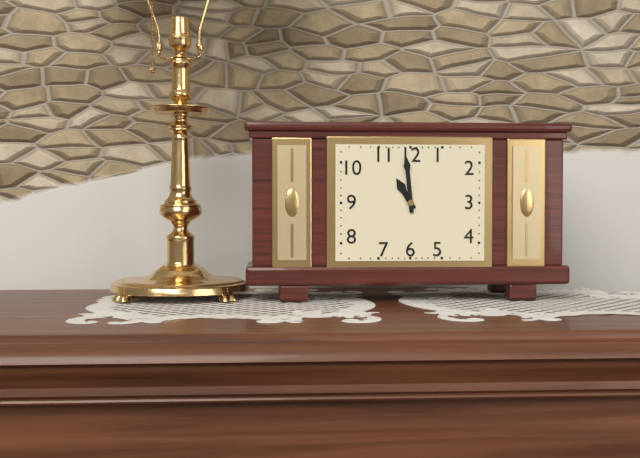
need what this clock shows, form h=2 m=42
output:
h=10 m=59
